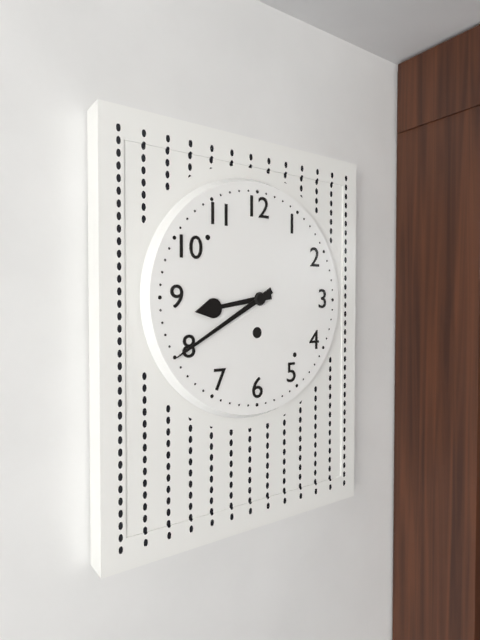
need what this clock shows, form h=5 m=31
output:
h=8 m=40
